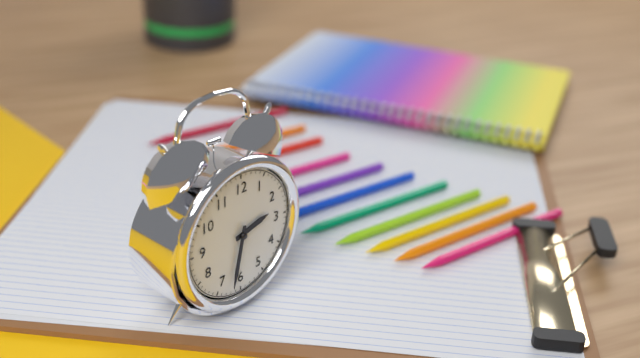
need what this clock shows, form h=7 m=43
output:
h=2 m=32
